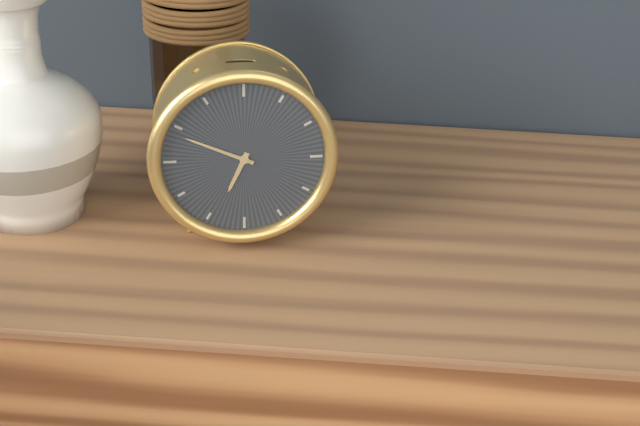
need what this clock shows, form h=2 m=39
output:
h=6 m=49
